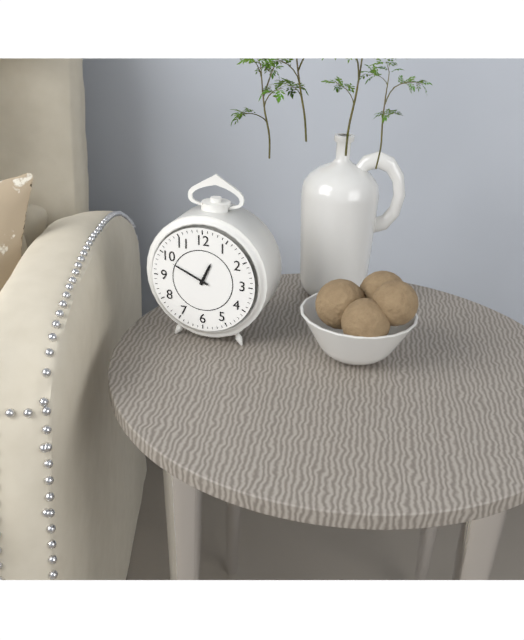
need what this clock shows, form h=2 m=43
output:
h=12 m=49
